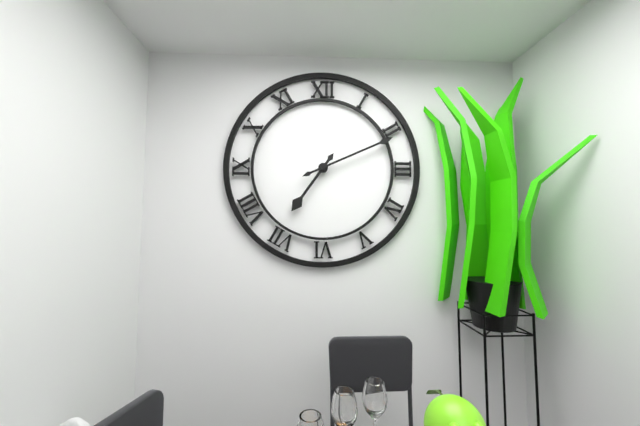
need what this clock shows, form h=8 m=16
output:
h=7 m=11
